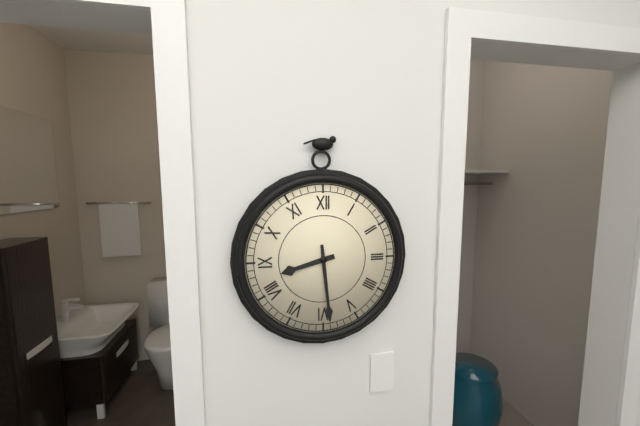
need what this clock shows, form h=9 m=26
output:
h=8 m=29
